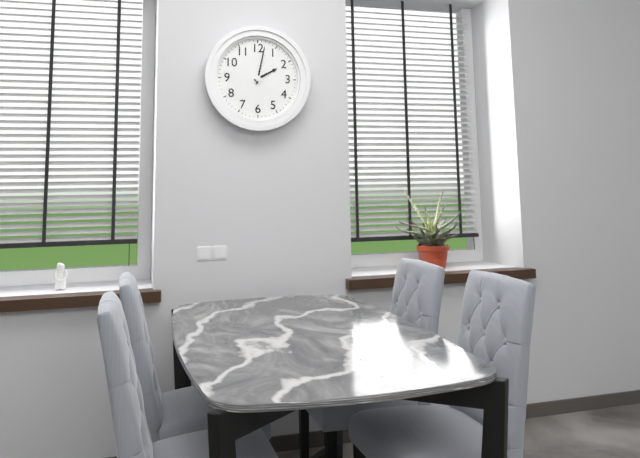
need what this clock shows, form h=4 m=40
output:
h=2 m=2
